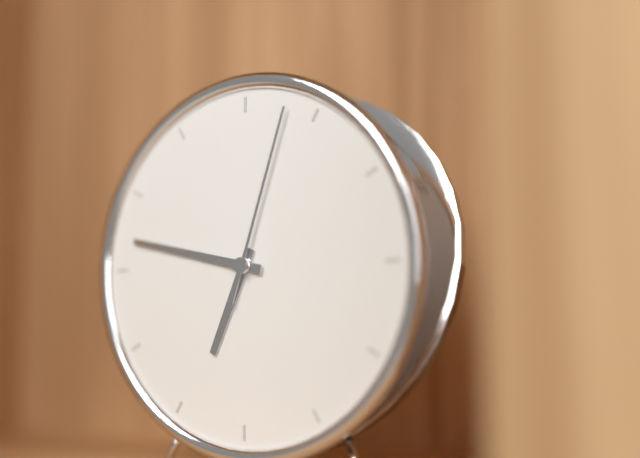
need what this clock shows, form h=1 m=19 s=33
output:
h=6 m=47 s=3
